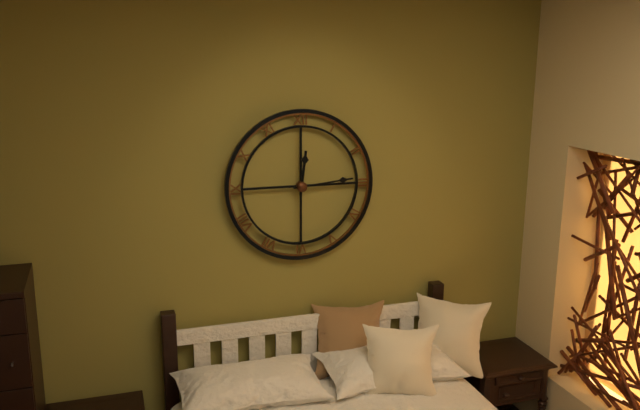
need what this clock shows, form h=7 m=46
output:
h=12 m=14
